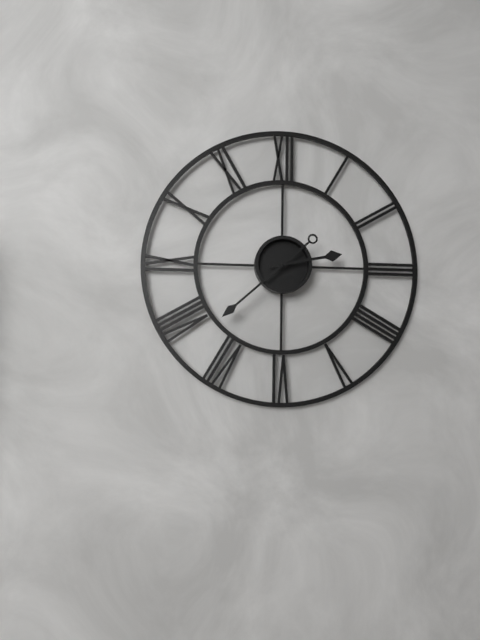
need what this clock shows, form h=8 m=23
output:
h=2 m=38
